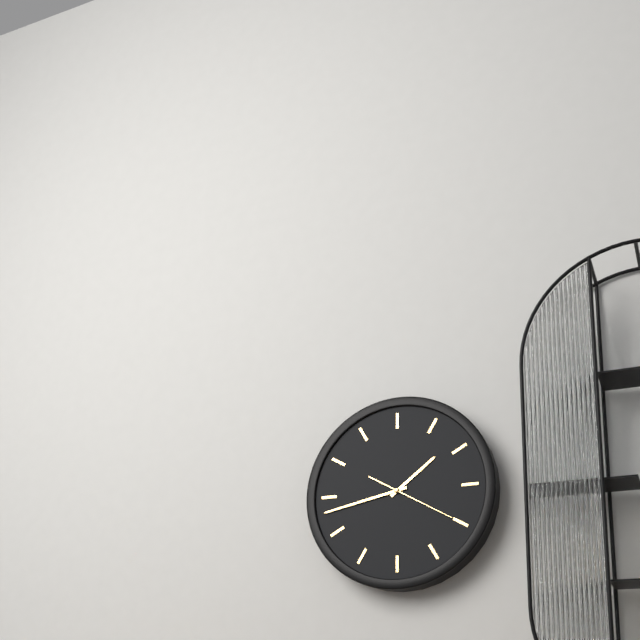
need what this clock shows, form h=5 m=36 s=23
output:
h=1 m=43 s=20
